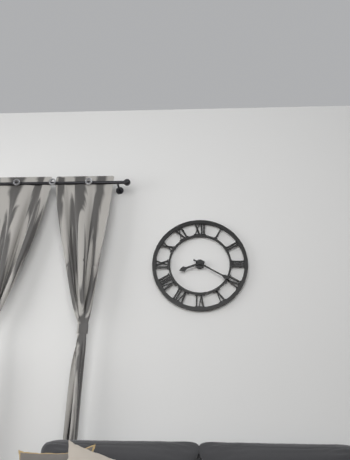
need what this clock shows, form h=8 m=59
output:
h=8 m=20
